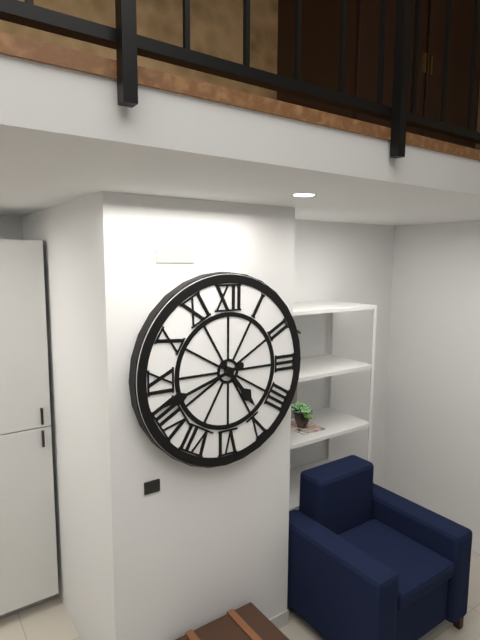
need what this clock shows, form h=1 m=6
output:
h=4 m=42
